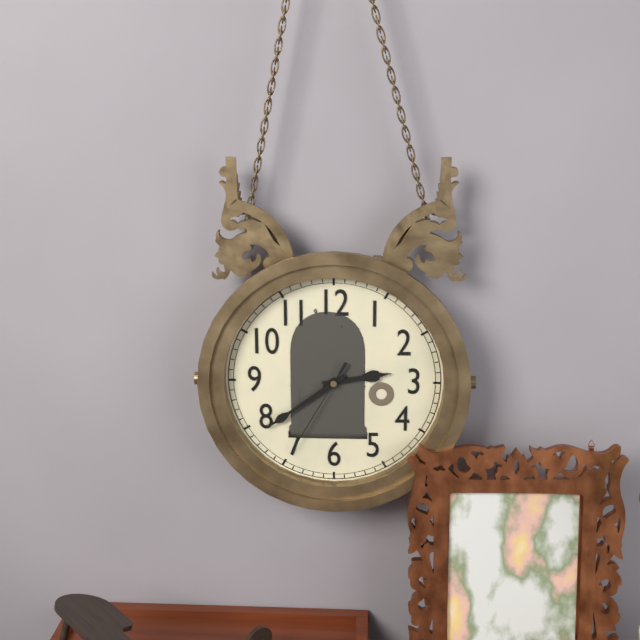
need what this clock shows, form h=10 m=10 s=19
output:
h=2 m=39 s=35
